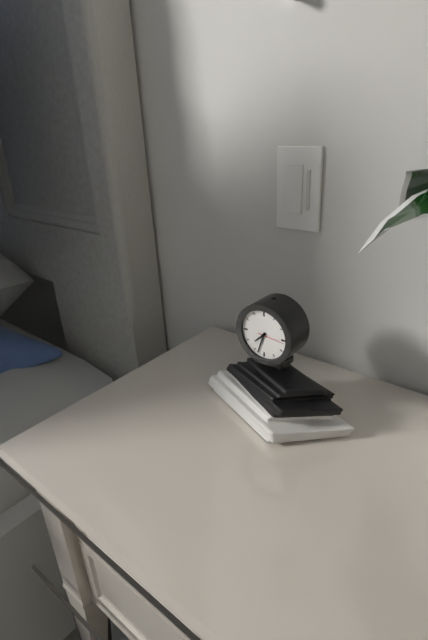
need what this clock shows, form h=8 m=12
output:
h=7 m=33
